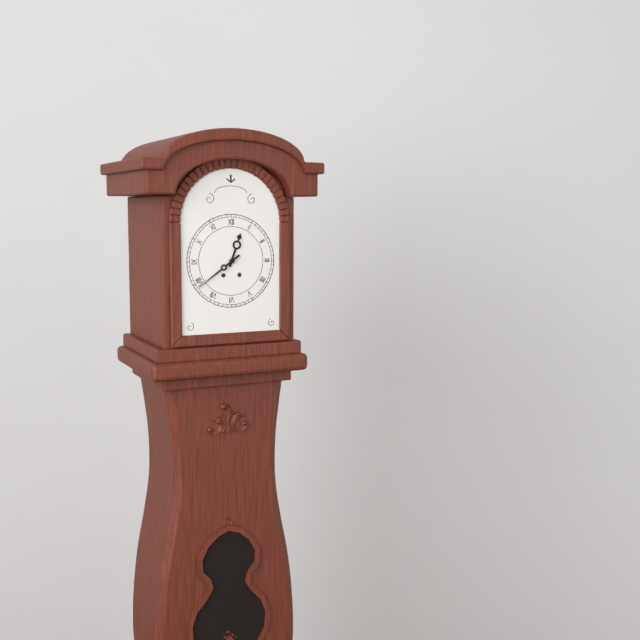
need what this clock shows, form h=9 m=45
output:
h=12 m=39
